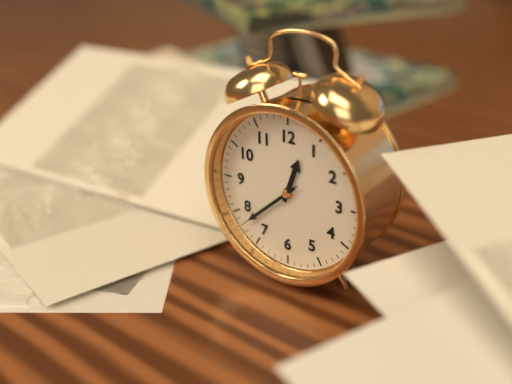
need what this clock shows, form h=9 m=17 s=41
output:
h=12 m=38 s=38
